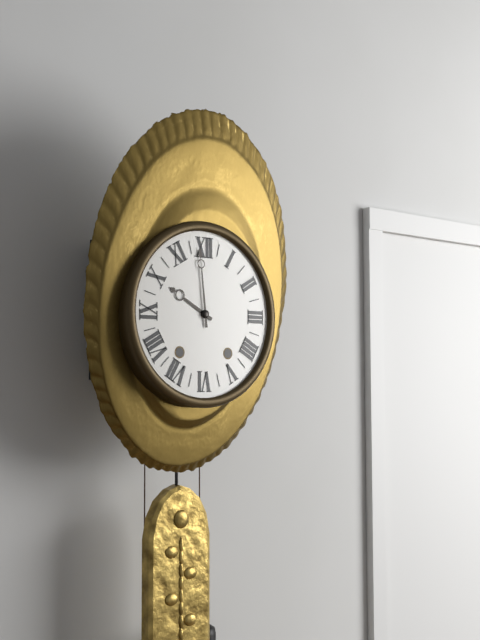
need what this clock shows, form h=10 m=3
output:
h=9 m=59
